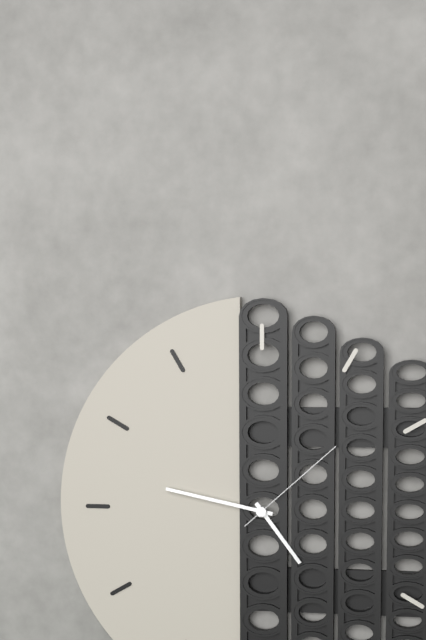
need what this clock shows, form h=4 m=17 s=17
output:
h=4 m=47 s=8
